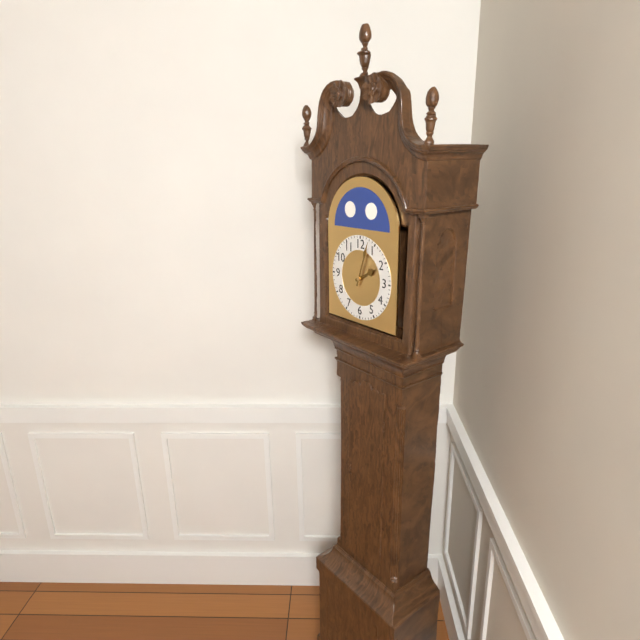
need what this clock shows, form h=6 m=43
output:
h=2 m=3
